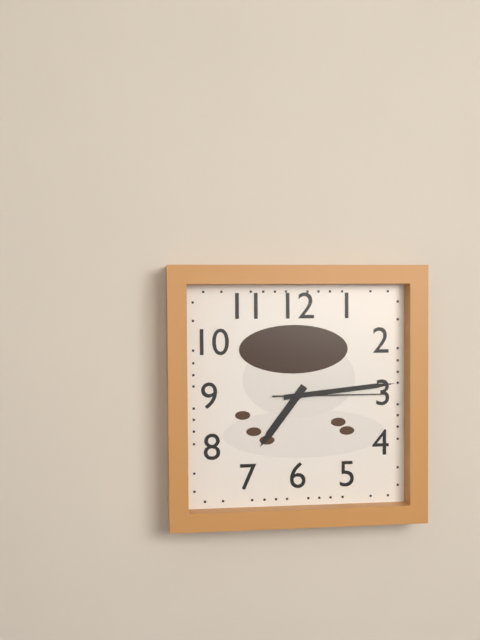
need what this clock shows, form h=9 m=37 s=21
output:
h=7 m=14 s=15
